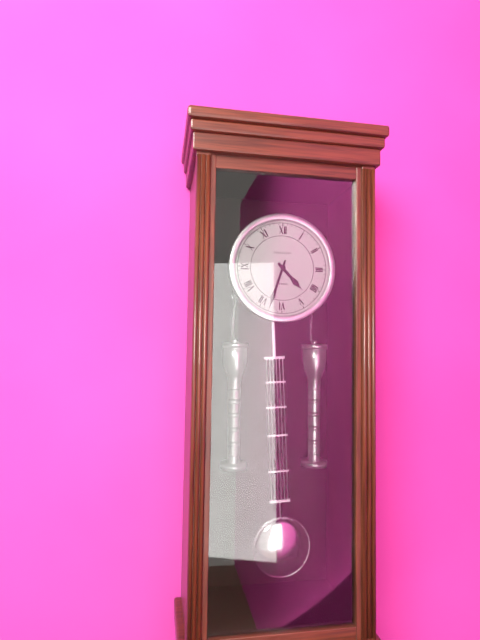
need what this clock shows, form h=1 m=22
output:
h=4 m=33
